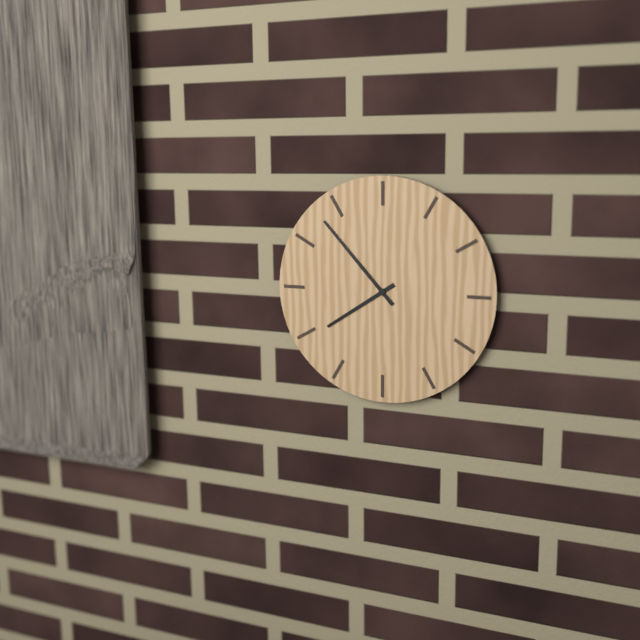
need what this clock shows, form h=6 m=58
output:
h=7 m=53
